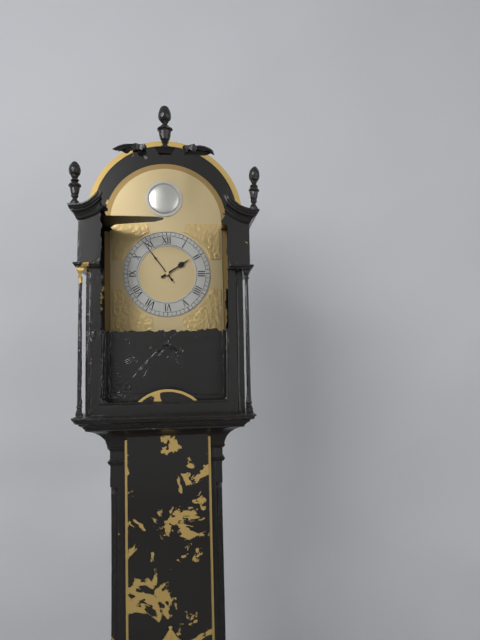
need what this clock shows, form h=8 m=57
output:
h=1 m=54
